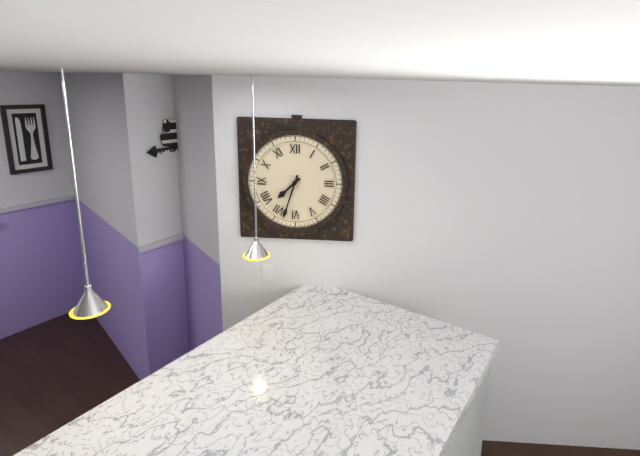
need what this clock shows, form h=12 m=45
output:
h=7 m=33
